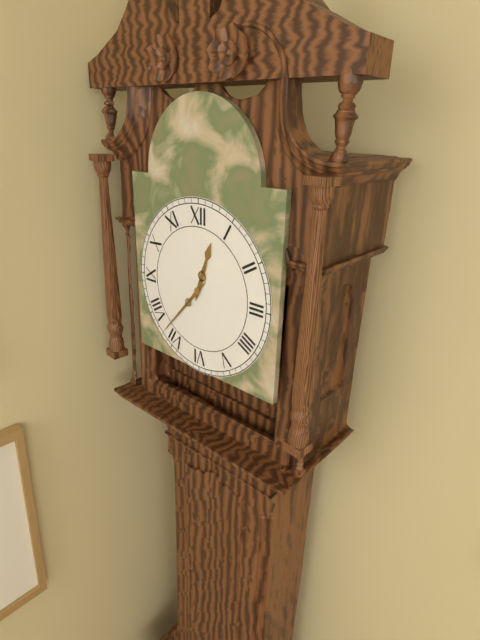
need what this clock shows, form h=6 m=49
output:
h=12 m=37
